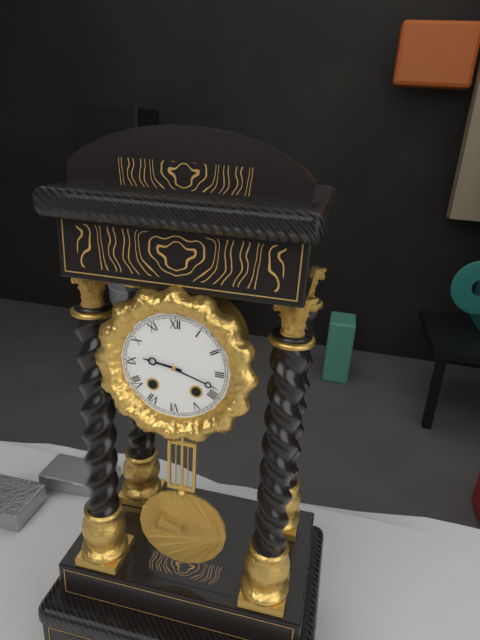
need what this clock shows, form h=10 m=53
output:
h=9 m=18
